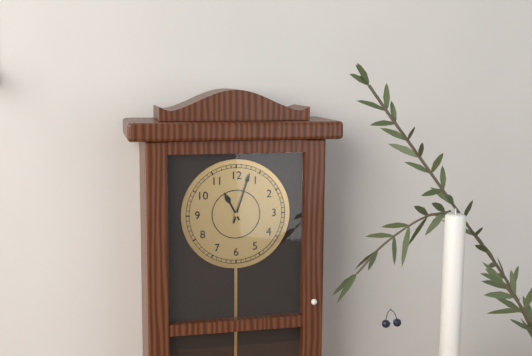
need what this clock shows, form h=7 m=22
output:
h=11 m=3
